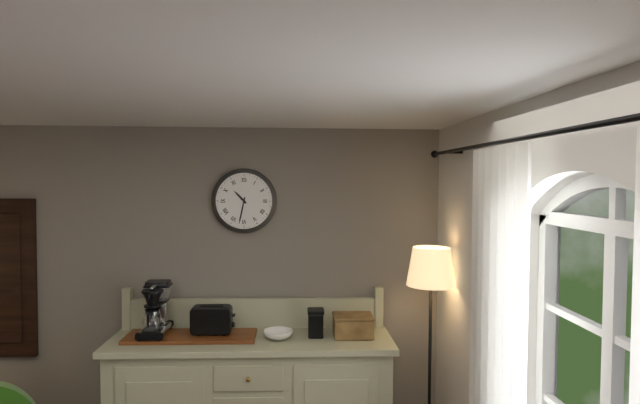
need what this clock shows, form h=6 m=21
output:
h=10 m=32
